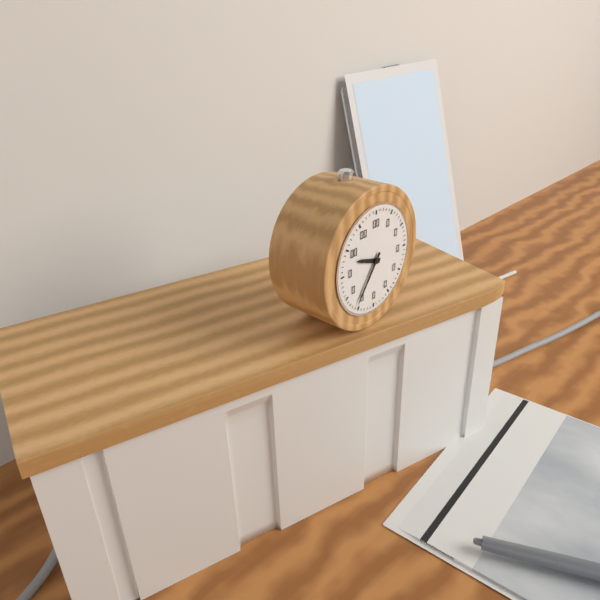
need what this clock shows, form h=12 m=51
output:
h=9 m=36
